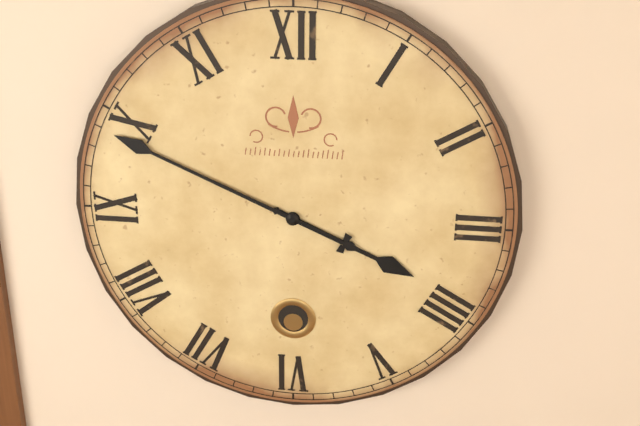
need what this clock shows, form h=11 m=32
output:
h=3 m=49
